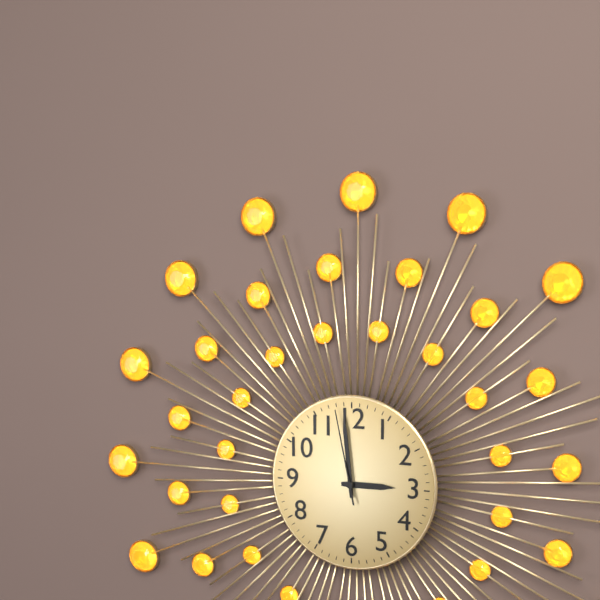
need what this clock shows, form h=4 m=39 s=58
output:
h=2 m=59 s=58
